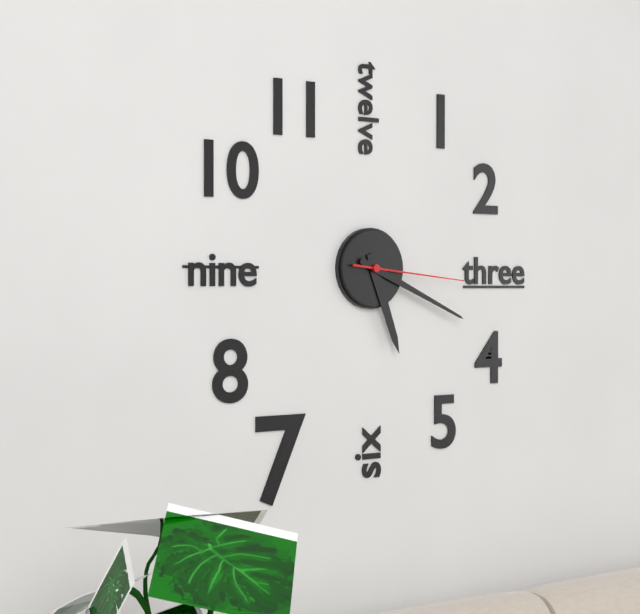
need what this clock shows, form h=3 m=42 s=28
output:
h=5 m=19 s=16
